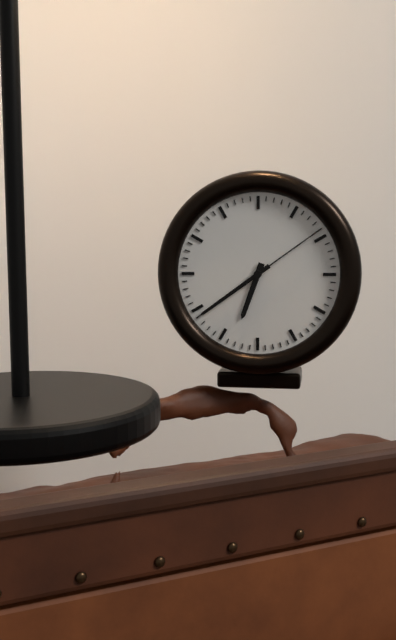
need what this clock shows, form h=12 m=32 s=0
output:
h=6 m=39 s=9
